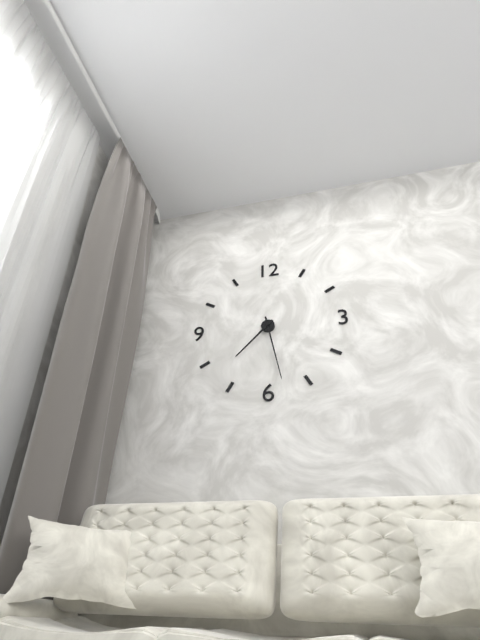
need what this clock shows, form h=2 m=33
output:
h=7 m=28
